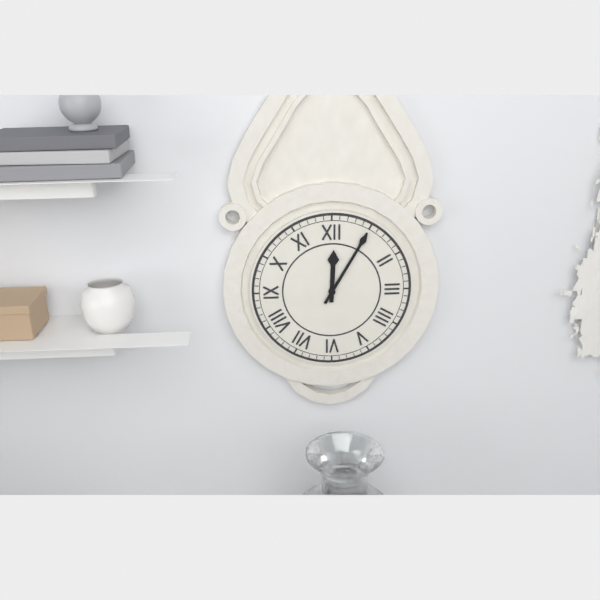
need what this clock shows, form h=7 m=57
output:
h=12 m=5
